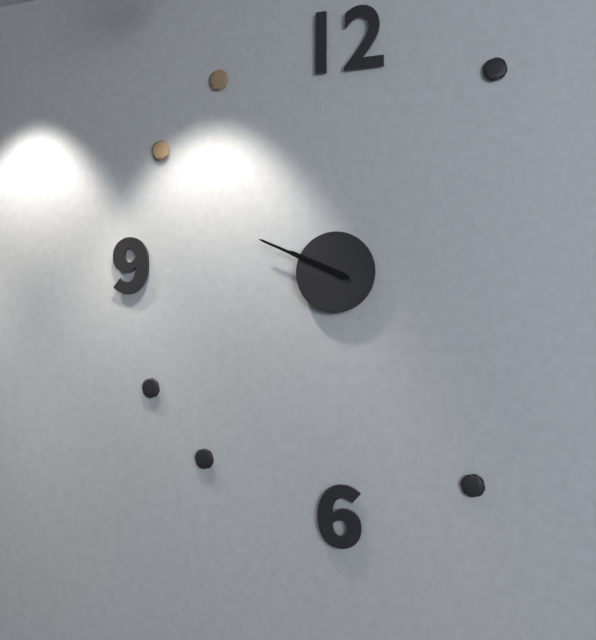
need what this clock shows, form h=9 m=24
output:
h=9 m=49
